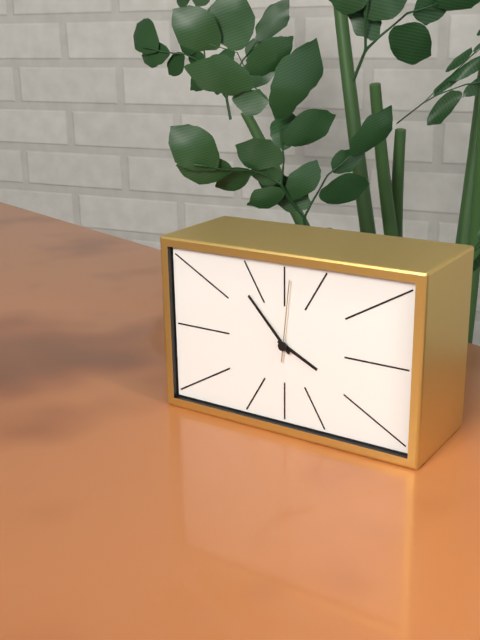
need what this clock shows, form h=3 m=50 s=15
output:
h=3 m=53 s=1
